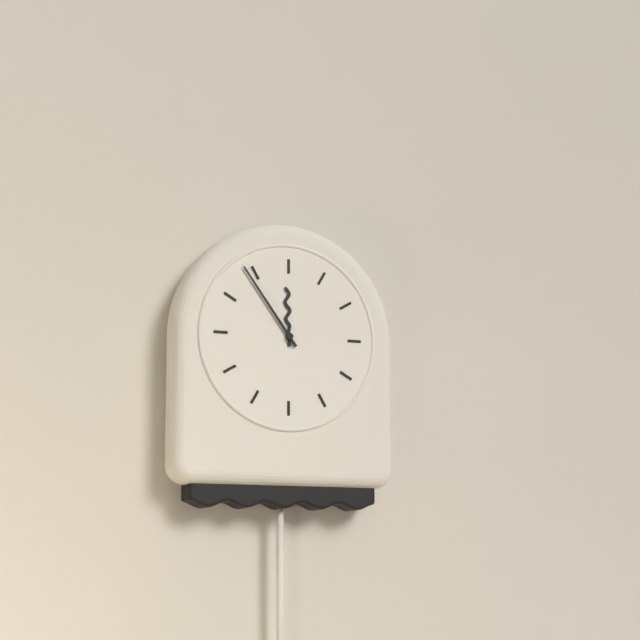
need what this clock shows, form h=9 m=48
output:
h=11 m=54
